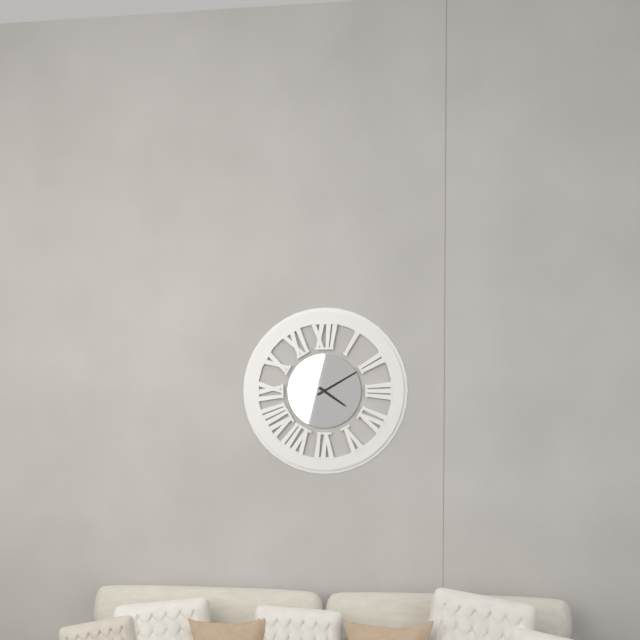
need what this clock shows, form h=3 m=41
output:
h=4 m=10
